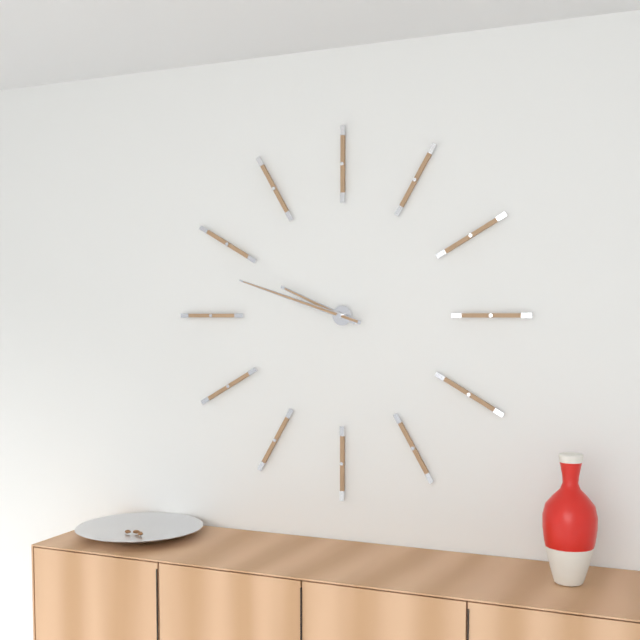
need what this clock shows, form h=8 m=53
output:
h=9 m=48
